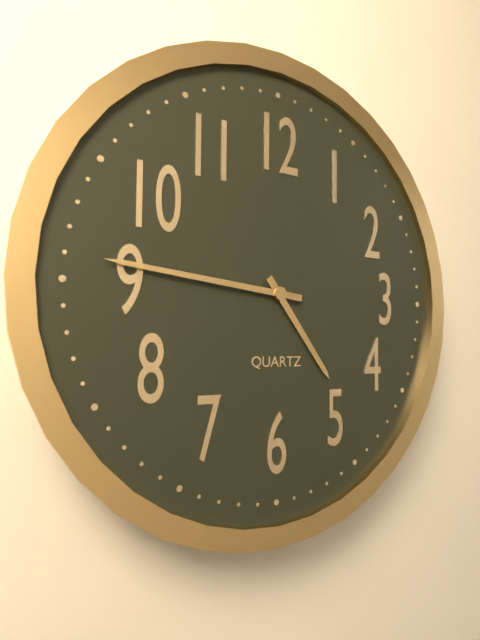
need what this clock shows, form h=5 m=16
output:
h=4 m=46
